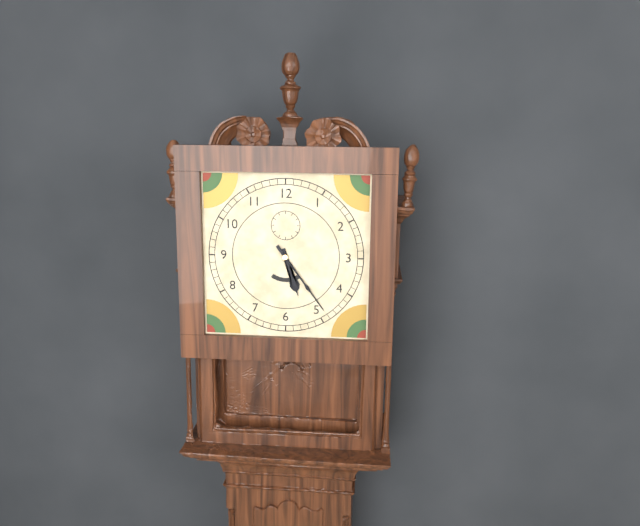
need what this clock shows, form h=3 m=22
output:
h=5 m=24
